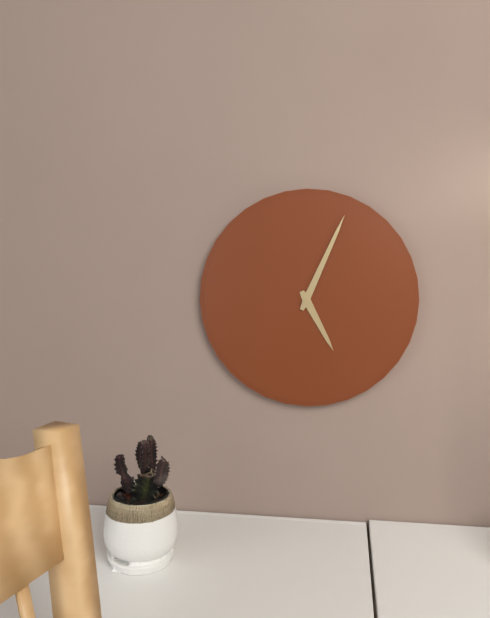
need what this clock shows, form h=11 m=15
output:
h=5 m=4
